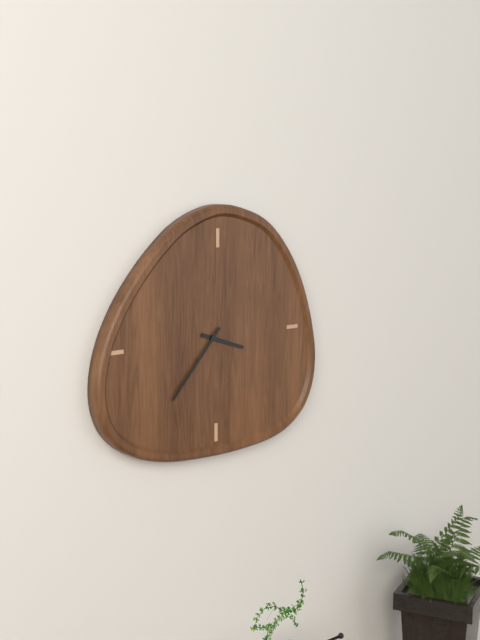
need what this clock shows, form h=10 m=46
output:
h=3 m=37
